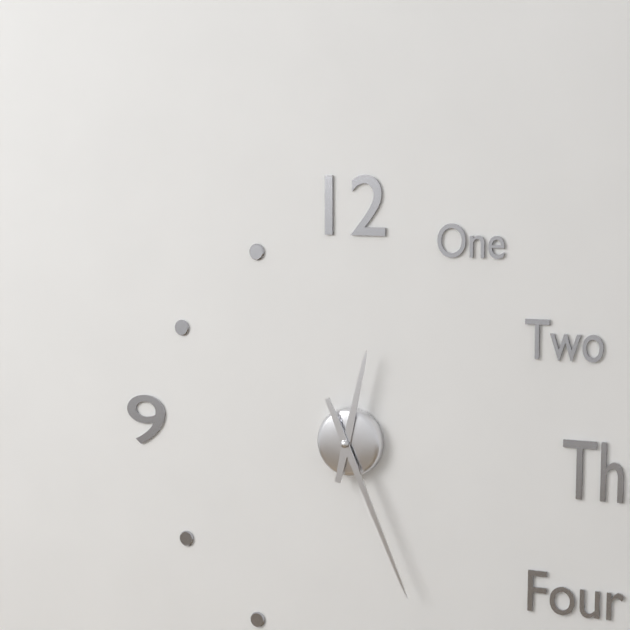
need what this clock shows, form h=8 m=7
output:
h=12 m=26
